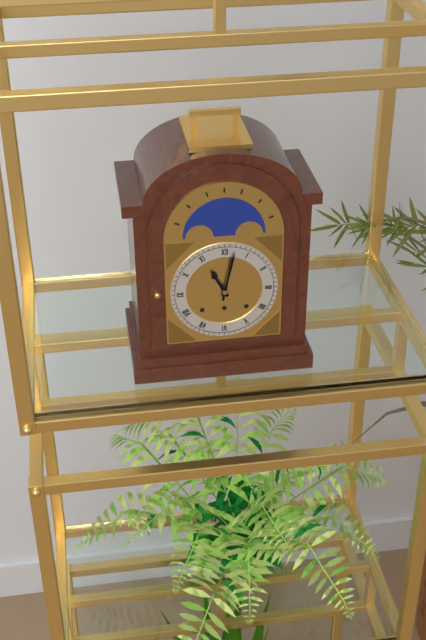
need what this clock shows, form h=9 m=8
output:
h=11 m=2
